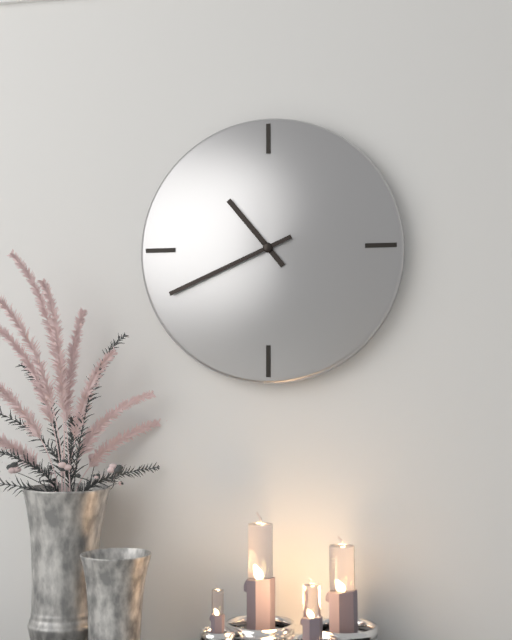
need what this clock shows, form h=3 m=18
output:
h=10 m=41
